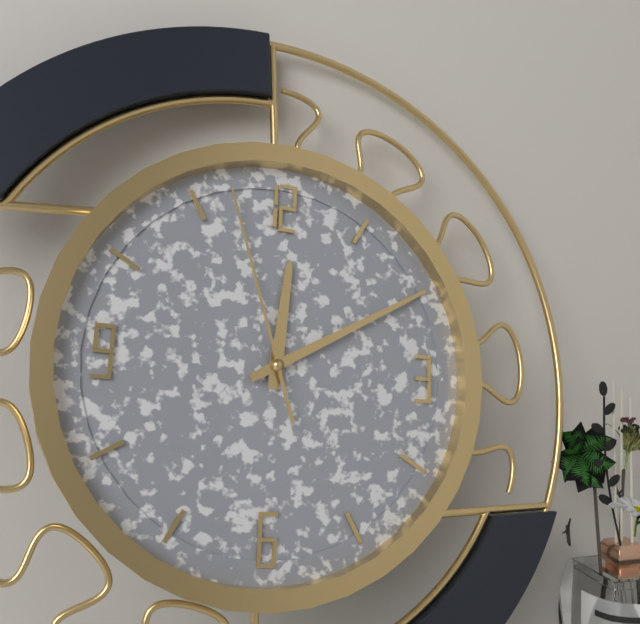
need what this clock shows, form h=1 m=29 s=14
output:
h=12 m=10 s=57
